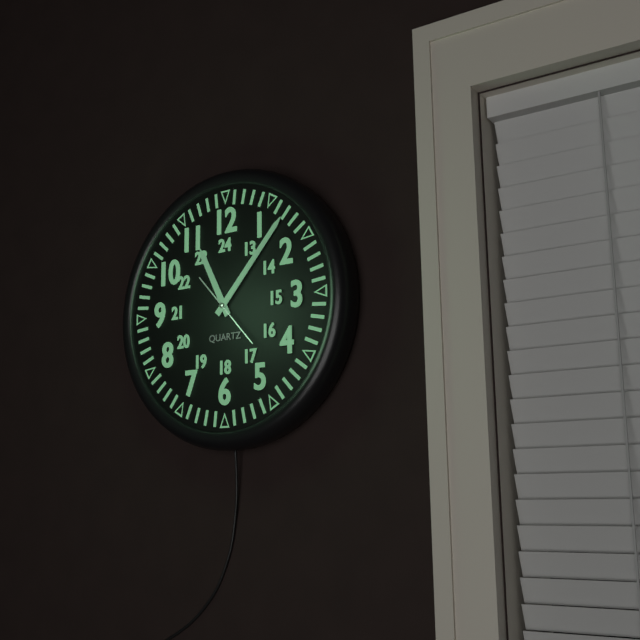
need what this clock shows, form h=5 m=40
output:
h=11 m=7
